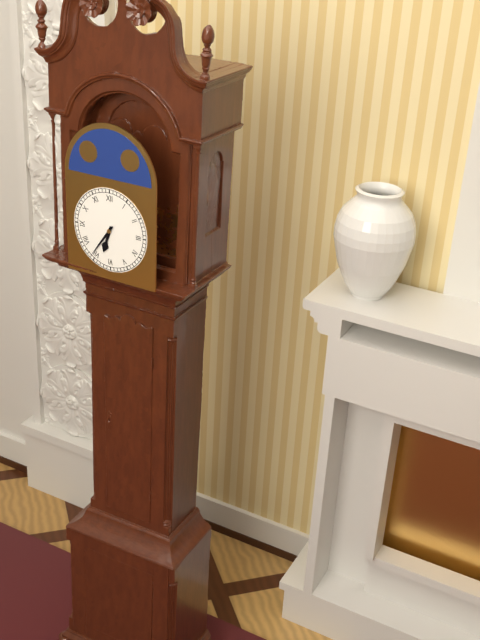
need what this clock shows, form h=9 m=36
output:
h=6 m=36
